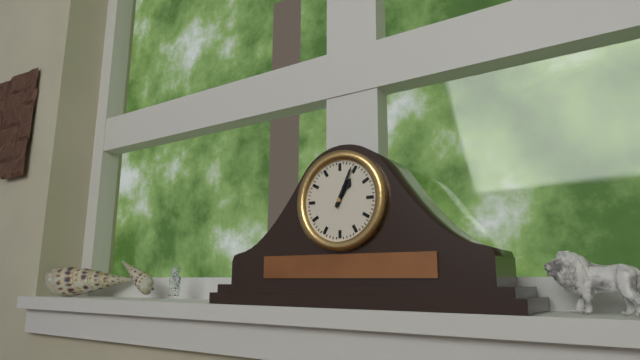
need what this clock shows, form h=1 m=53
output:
h=1 m=4
